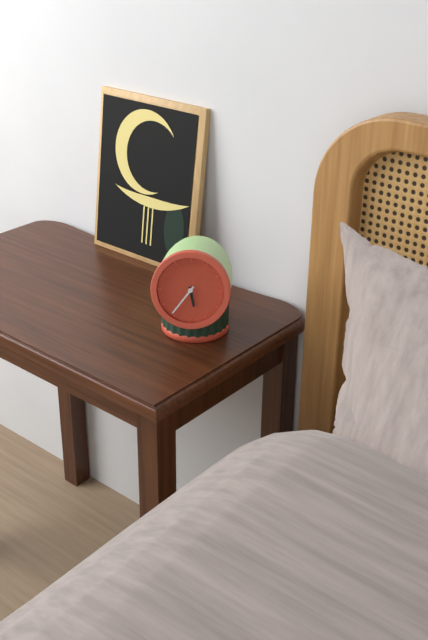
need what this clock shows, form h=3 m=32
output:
h=5 m=36
